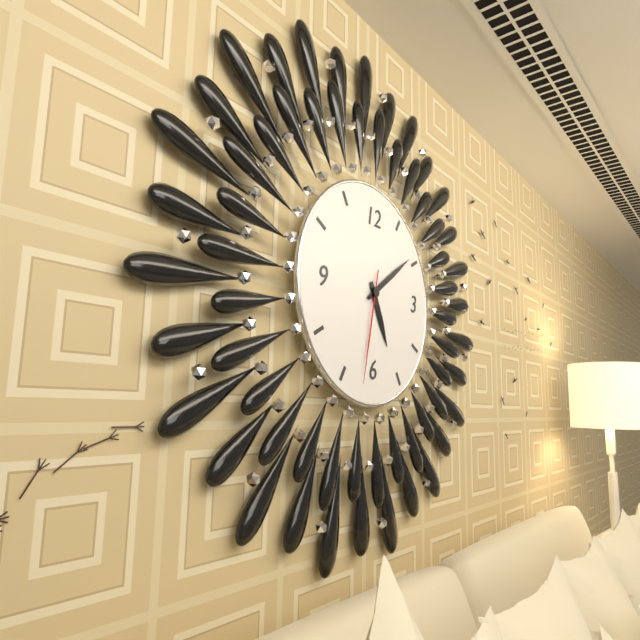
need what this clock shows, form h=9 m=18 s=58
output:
h=5 m=9 s=32
